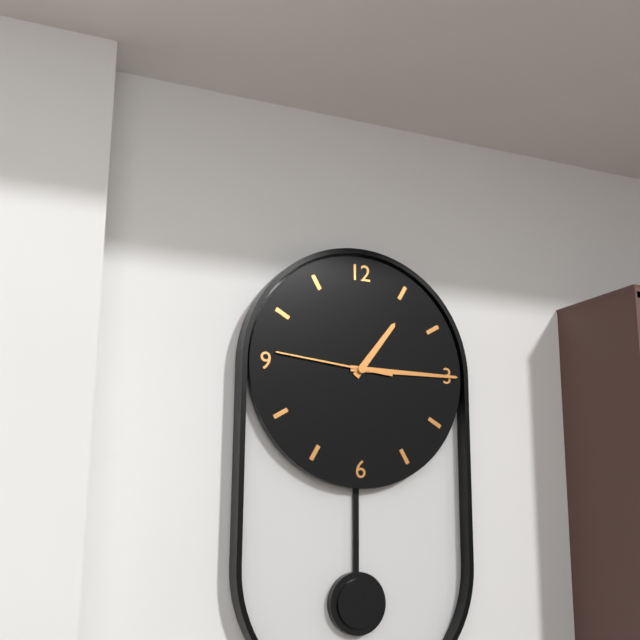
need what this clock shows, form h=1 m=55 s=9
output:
h=1 m=15 s=46
